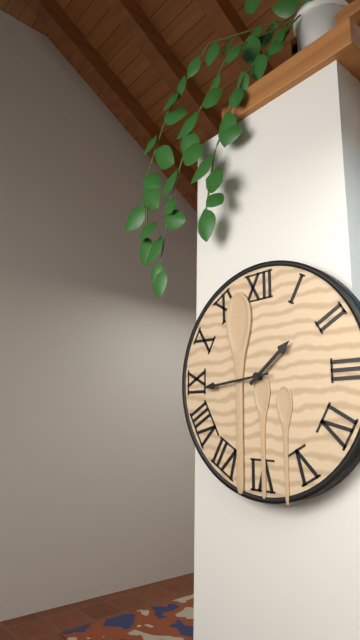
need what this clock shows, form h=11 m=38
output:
h=1 m=44
